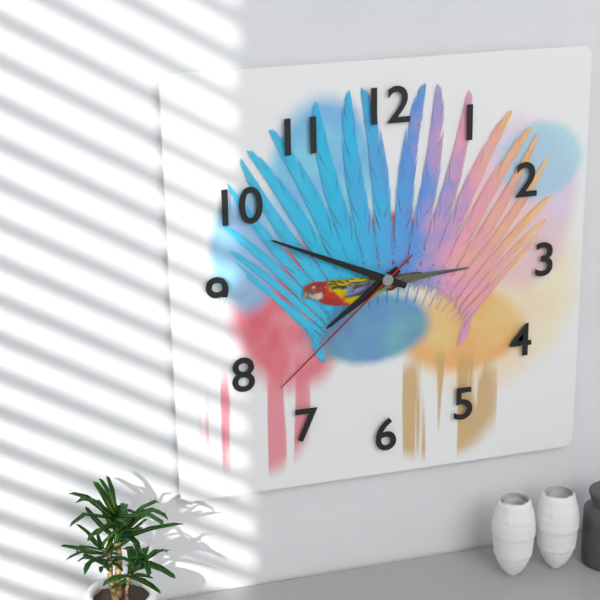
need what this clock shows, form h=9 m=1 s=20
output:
h=7 m=49 s=38
